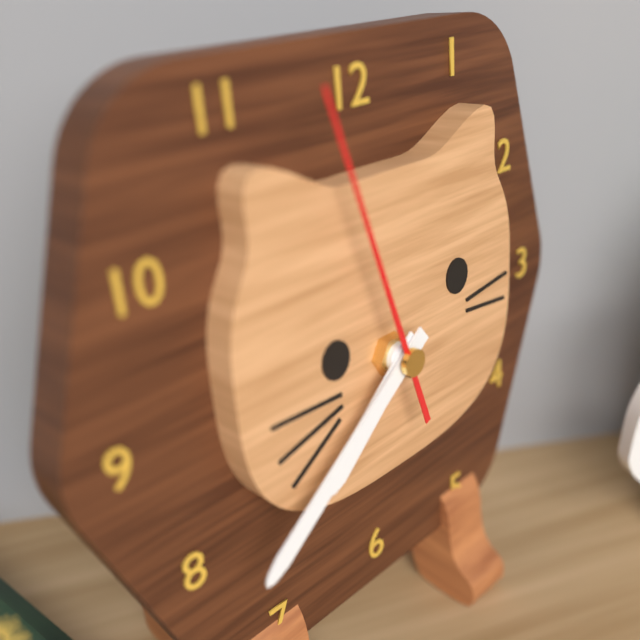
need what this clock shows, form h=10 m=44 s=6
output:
h=7 m=39 s=57
